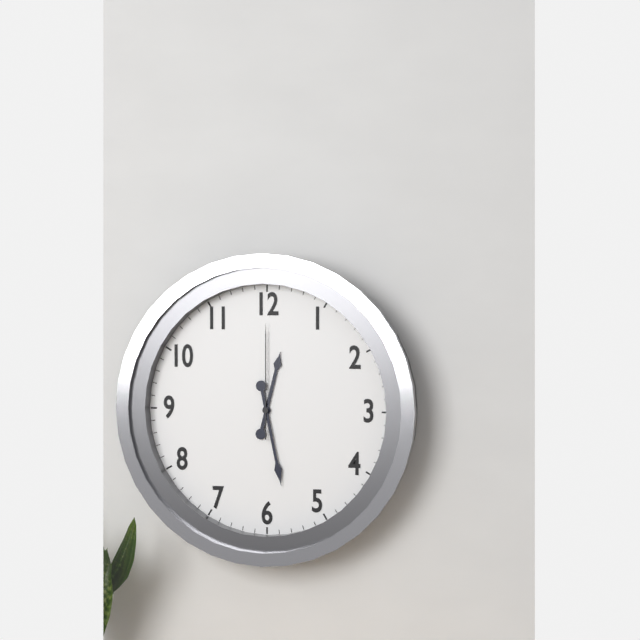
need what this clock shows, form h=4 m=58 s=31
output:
h=12 m=28 s=0
